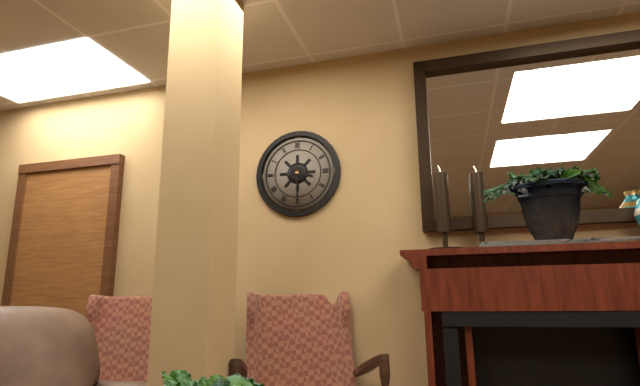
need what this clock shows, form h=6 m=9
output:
h=3 m=30
